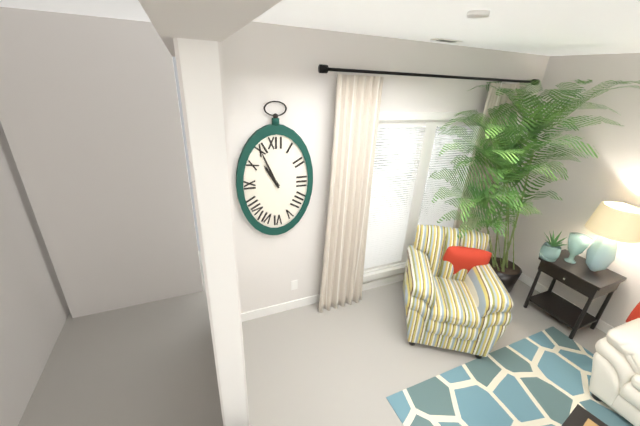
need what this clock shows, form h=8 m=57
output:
h=10 m=56
